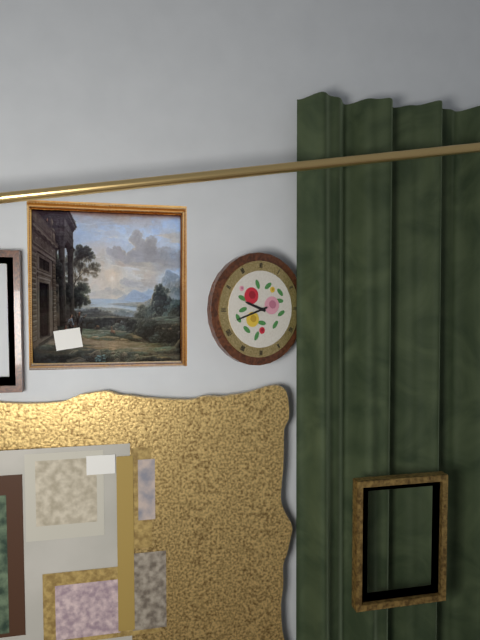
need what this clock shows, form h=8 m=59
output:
h=9 m=42
